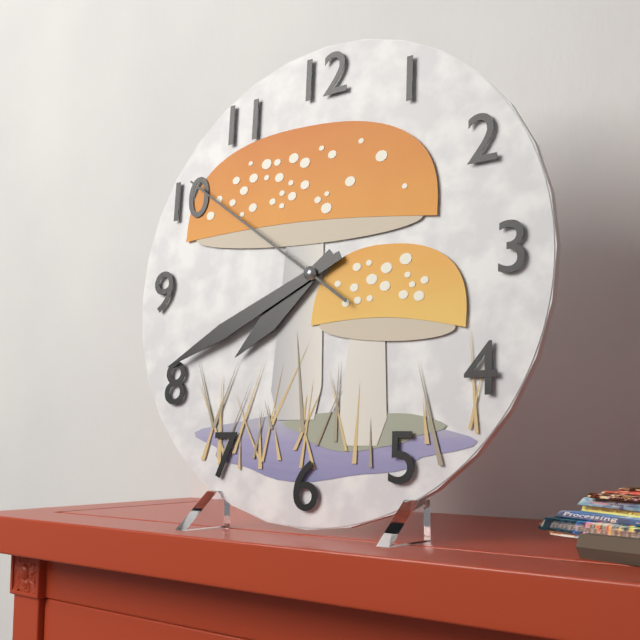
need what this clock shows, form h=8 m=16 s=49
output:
h=7 m=41 s=51
